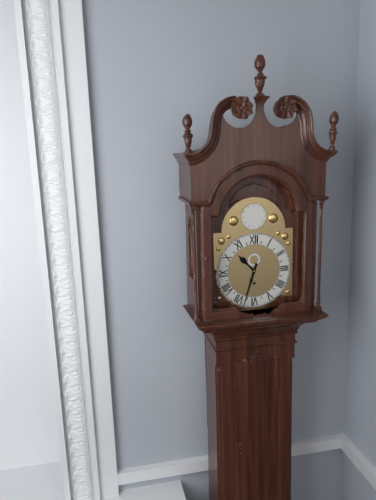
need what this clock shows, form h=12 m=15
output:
h=10 m=33
